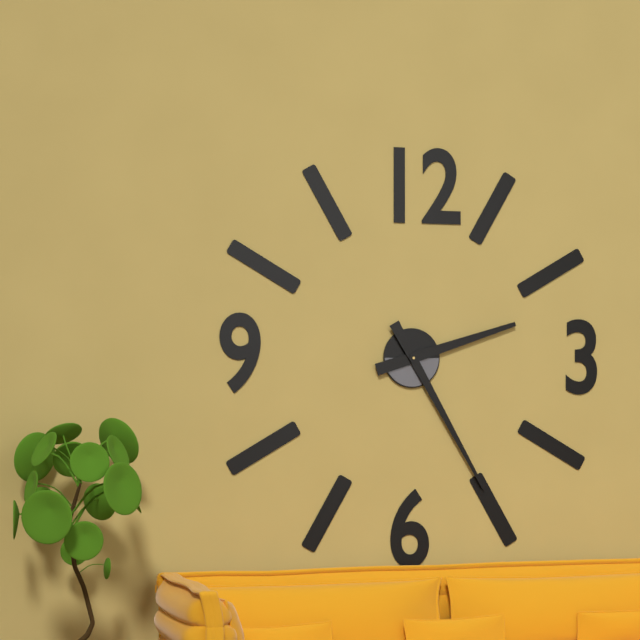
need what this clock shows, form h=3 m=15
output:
h=2 m=25
